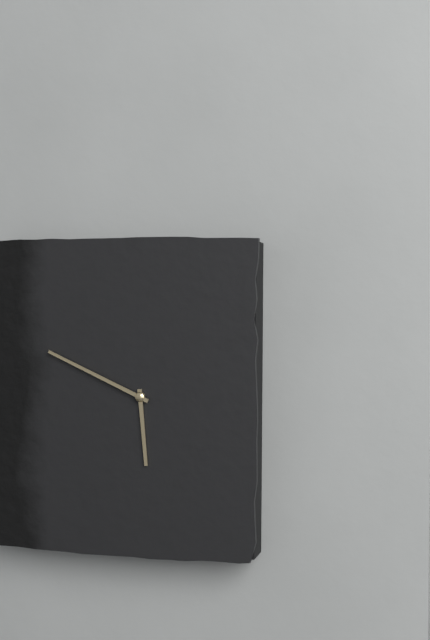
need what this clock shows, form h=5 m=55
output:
h=5 m=49
